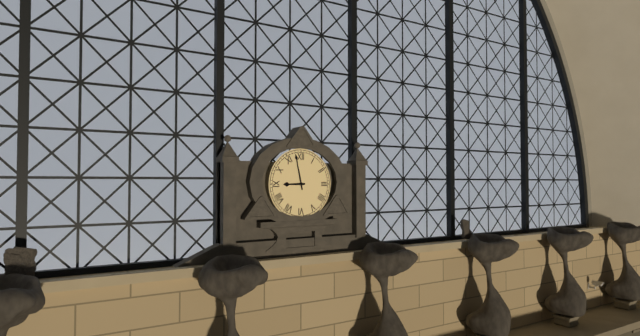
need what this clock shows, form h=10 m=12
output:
h=8 m=58
